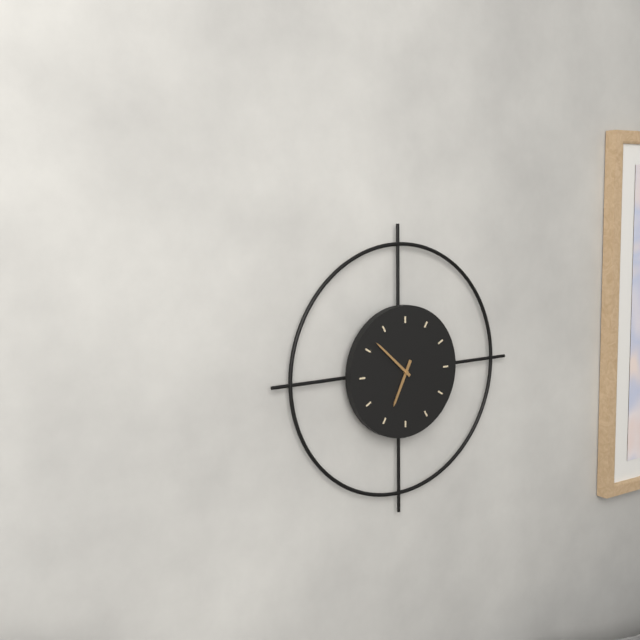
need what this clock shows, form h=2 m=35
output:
h=6 m=52
